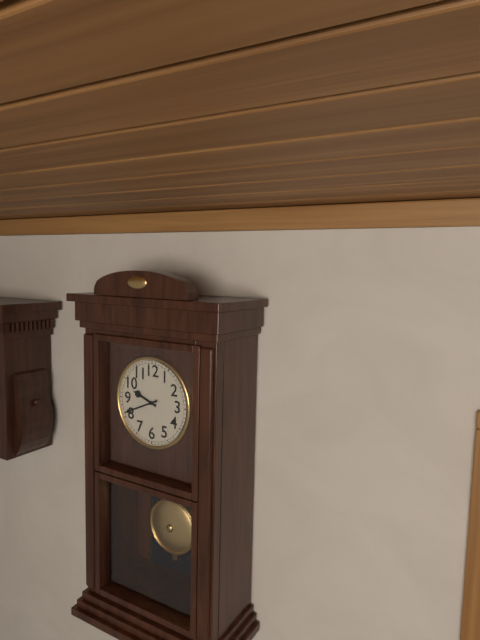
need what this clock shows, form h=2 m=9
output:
h=9 m=41
